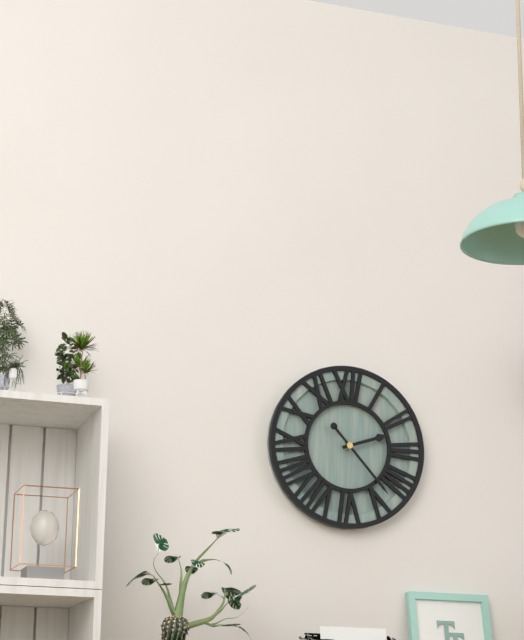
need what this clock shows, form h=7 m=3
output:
h=2 m=23
